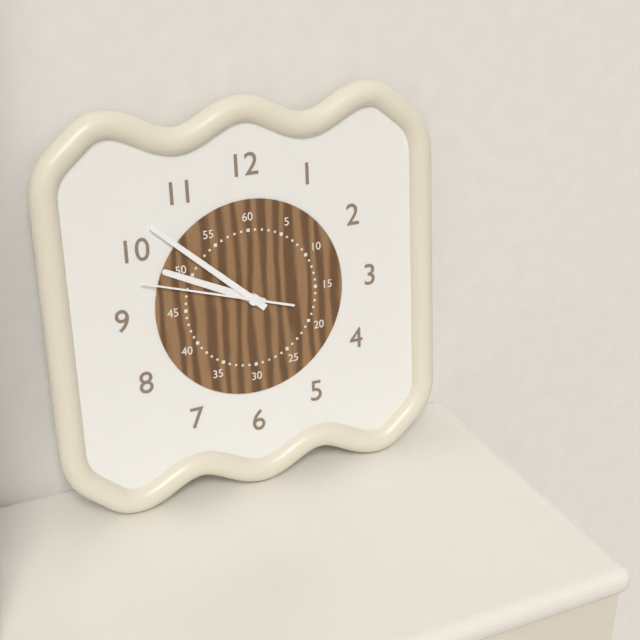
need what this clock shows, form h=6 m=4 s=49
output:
h=9 m=52 s=48
